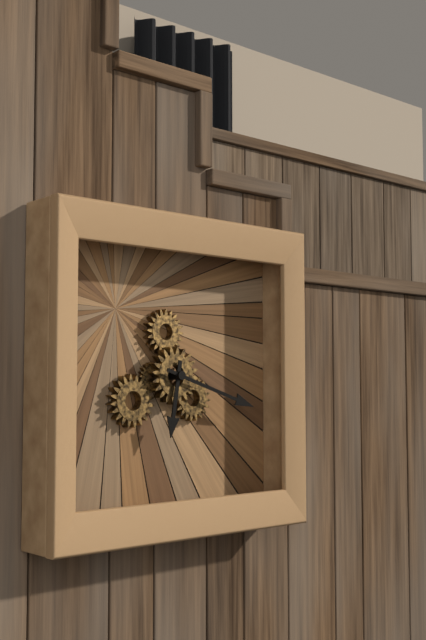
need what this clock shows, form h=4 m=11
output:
h=6 m=18
